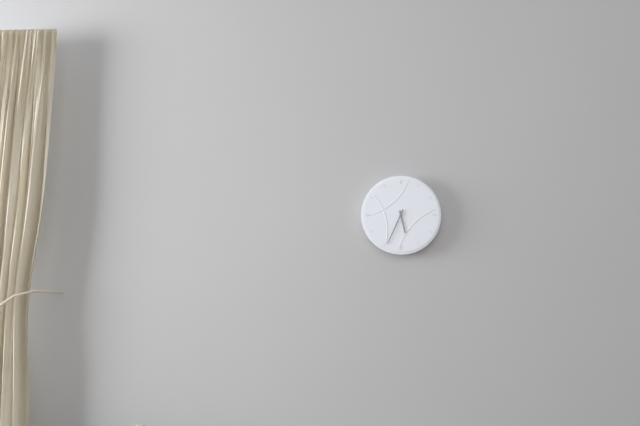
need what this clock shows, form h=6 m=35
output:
h=5 m=34
